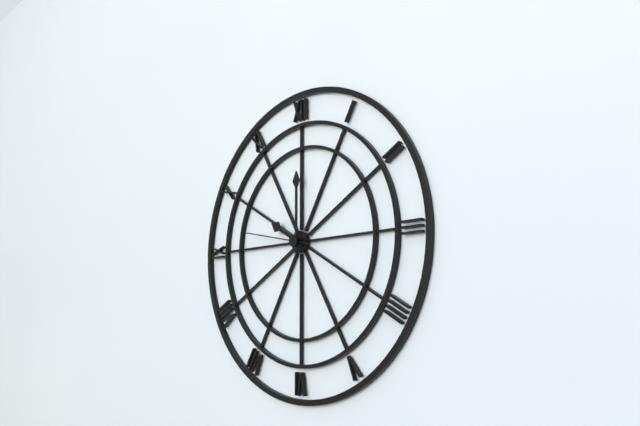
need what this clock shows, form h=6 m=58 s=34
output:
h=10 m=0 s=47
